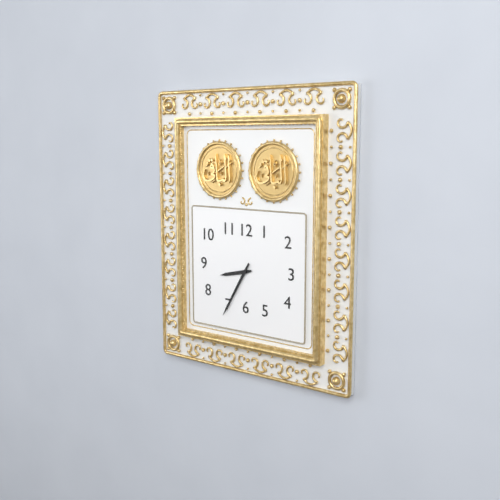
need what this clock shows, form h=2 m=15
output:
h=8 m=35
